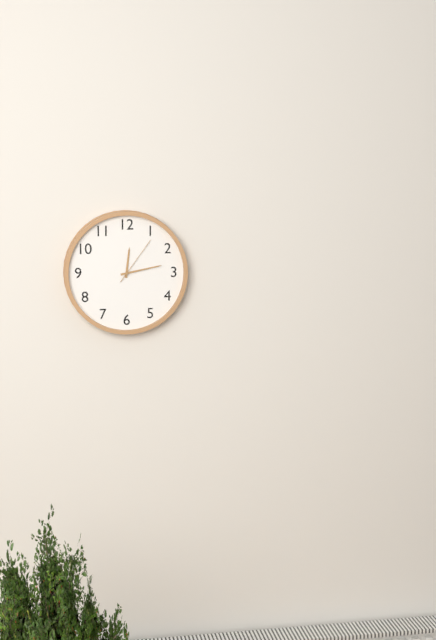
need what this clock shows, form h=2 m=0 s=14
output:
h=12 m=13 s=6
